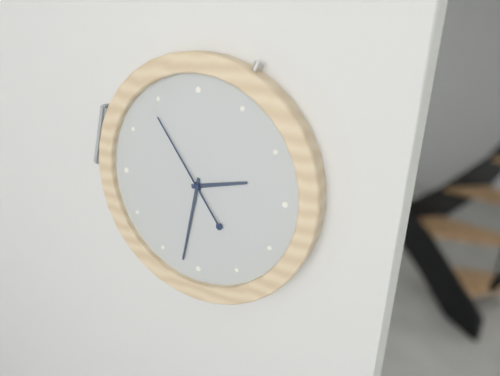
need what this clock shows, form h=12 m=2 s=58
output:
h=2 m=32 s=54
